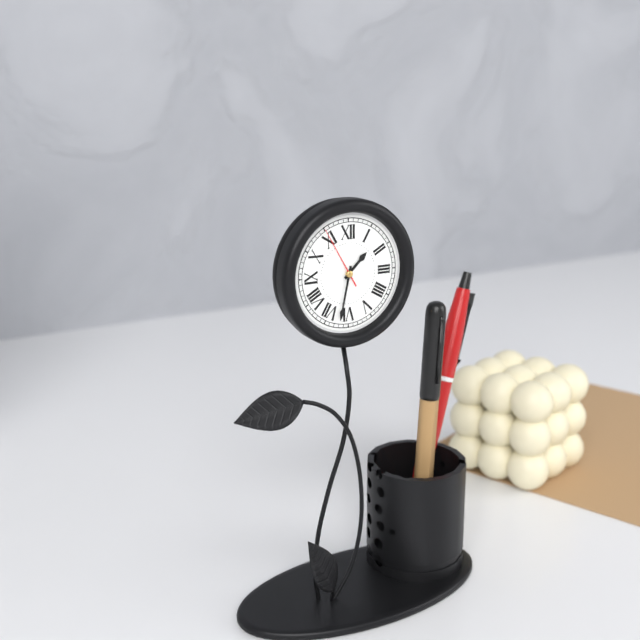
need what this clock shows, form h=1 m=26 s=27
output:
h=1 m=32 s=55
